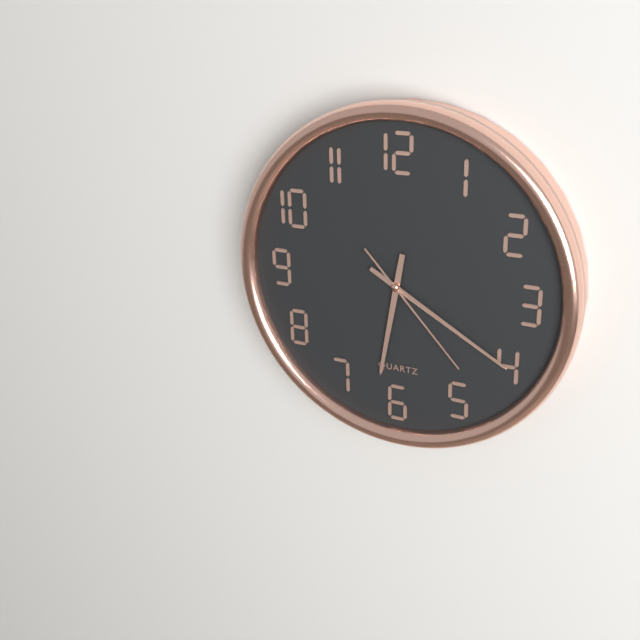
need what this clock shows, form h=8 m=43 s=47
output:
h=6 m=20 s=23
